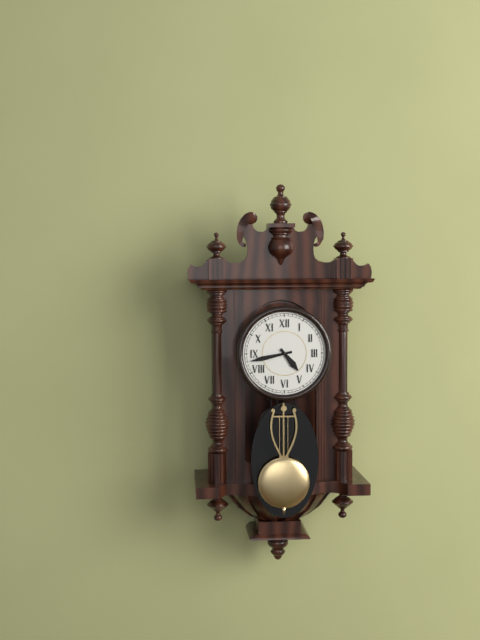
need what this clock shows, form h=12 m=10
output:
h=4 m=43
